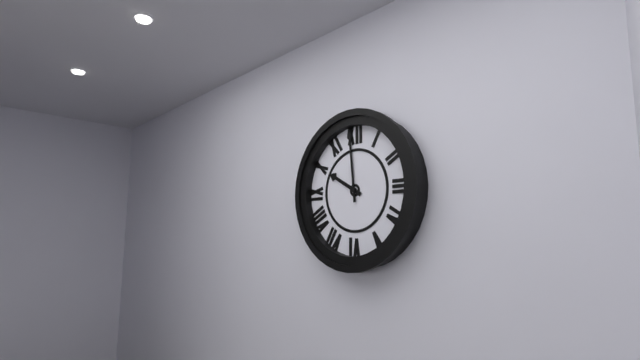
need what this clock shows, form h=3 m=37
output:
h=9 m=59
